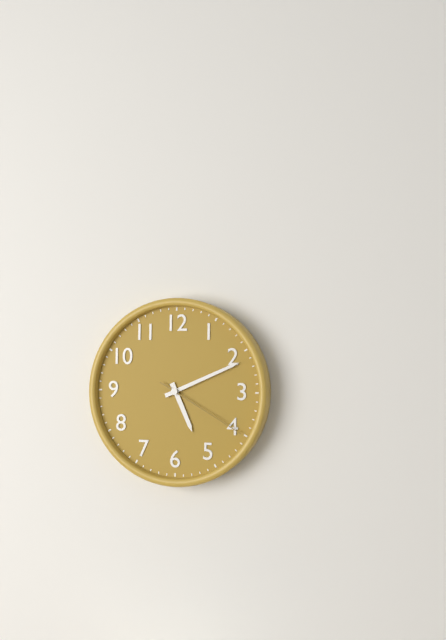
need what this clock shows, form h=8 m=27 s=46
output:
h=5 m=11 s=20
